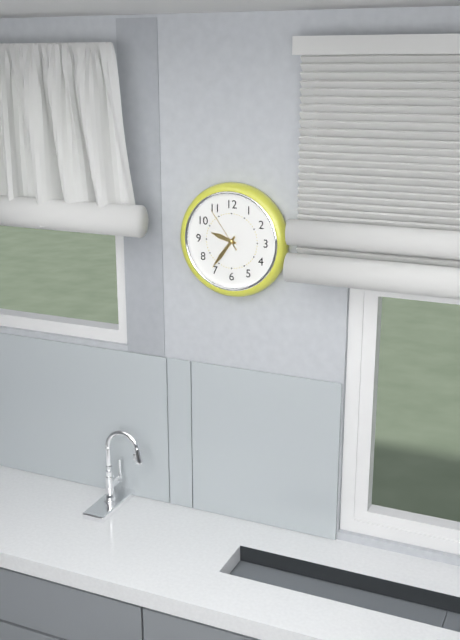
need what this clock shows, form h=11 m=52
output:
h=9 m=36
